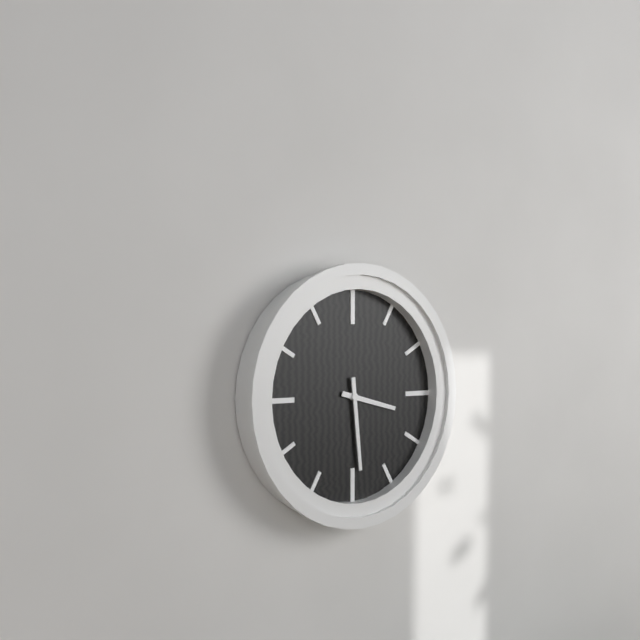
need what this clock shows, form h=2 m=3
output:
h=3 m=29
